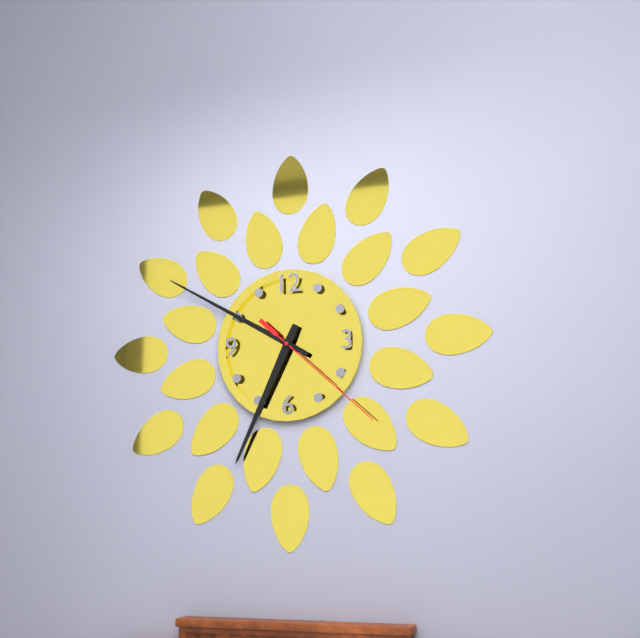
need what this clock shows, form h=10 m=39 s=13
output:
h=6 m=50 s=22
